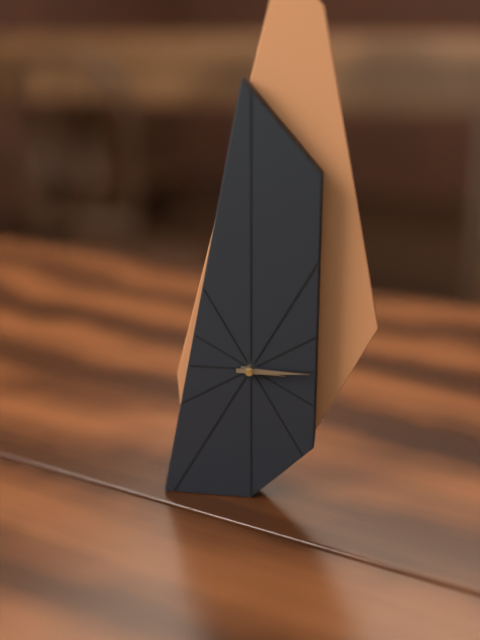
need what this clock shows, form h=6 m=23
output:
h=3 m=15
